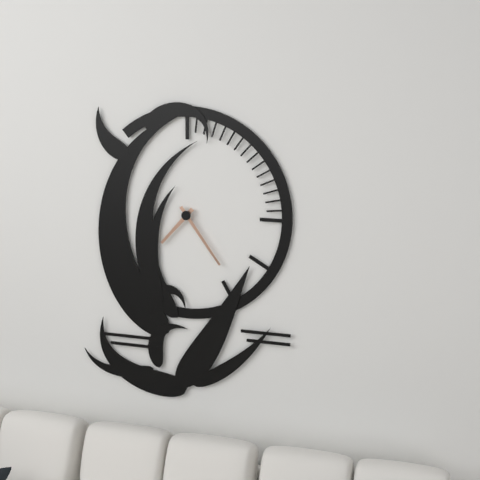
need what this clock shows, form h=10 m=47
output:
h=7 m=24
